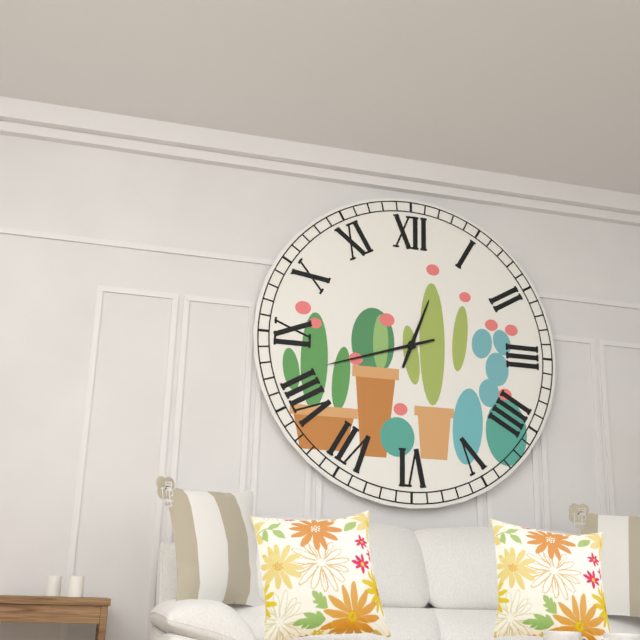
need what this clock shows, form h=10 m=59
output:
h=12 m=42
